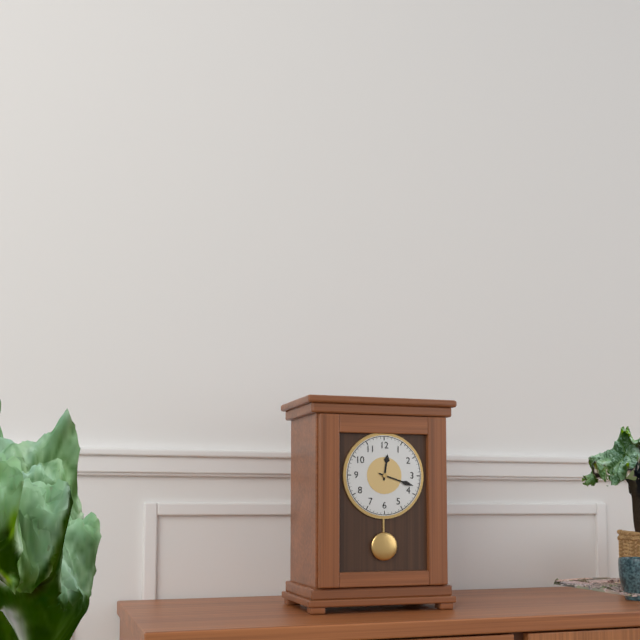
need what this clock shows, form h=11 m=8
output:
h=12 m=18
